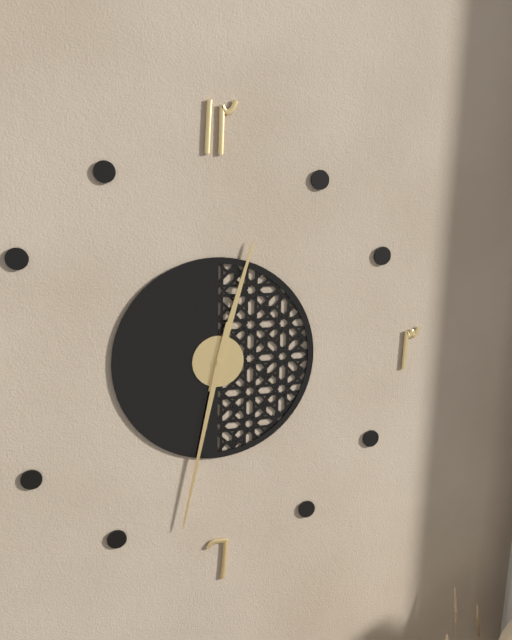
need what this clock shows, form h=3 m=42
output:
h=12 m=32
